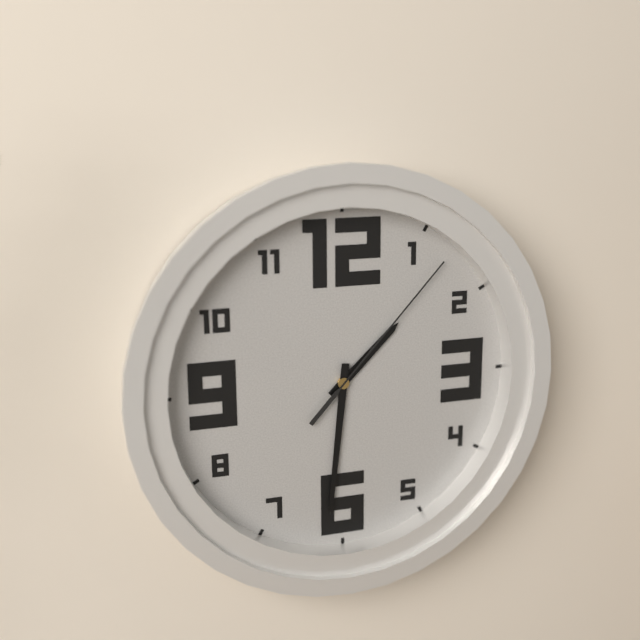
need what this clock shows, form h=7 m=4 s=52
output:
h=1 m=31 s=7
